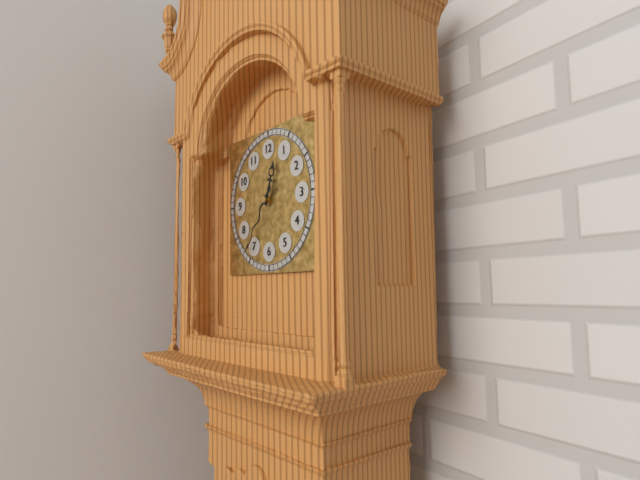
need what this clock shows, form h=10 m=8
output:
h=12 m=36
